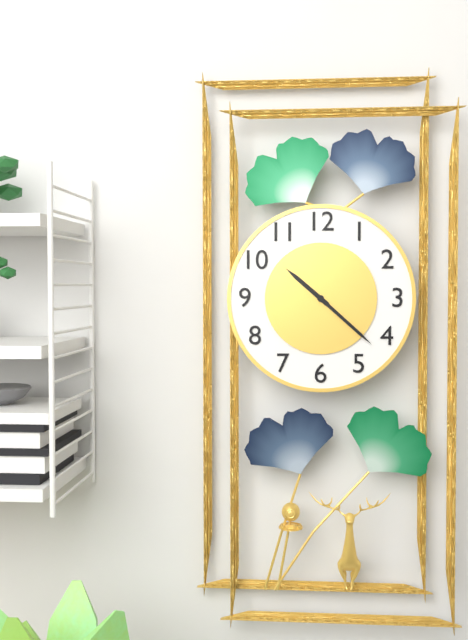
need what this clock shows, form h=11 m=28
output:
h=10 m=22
